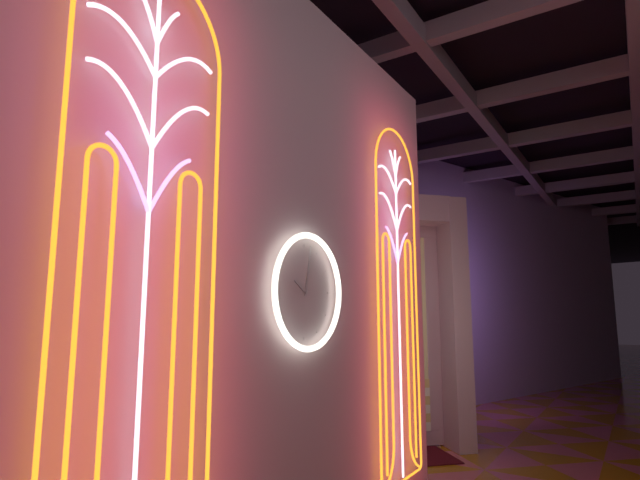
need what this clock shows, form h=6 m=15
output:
h=10 m=2
